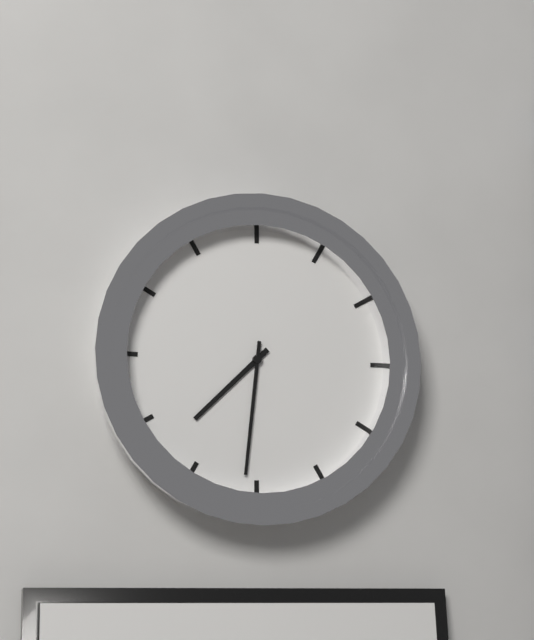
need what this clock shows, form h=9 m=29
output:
h=7 m=31
